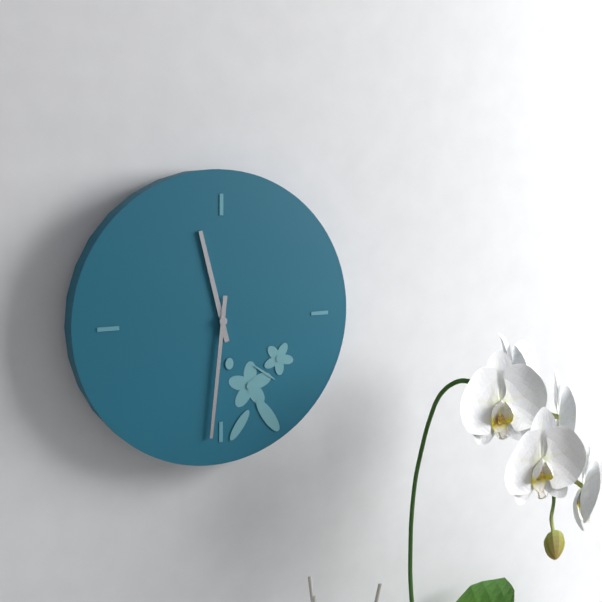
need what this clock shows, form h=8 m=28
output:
h=11 m=31
